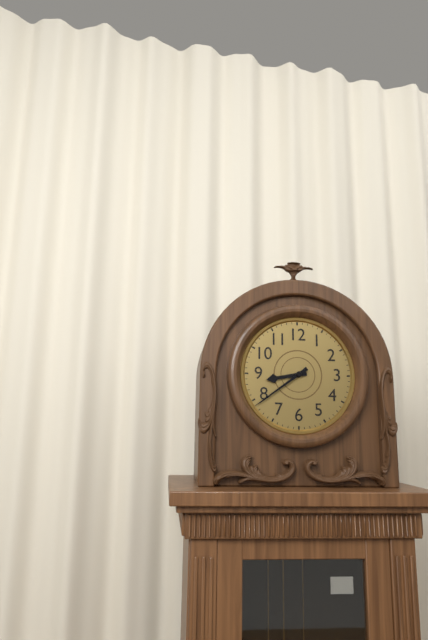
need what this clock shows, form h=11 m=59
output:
h=8 m=39
